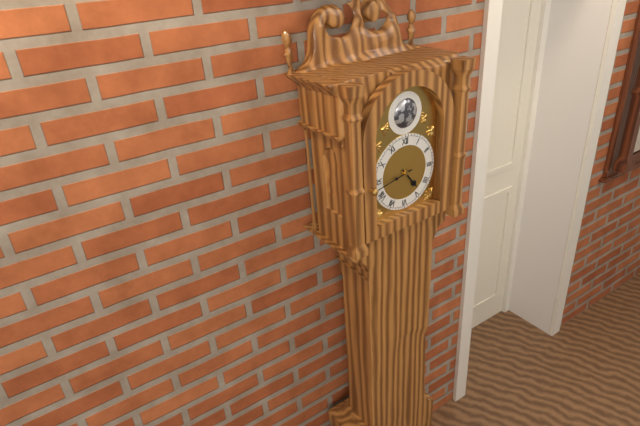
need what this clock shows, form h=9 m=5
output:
h=4 m=43
